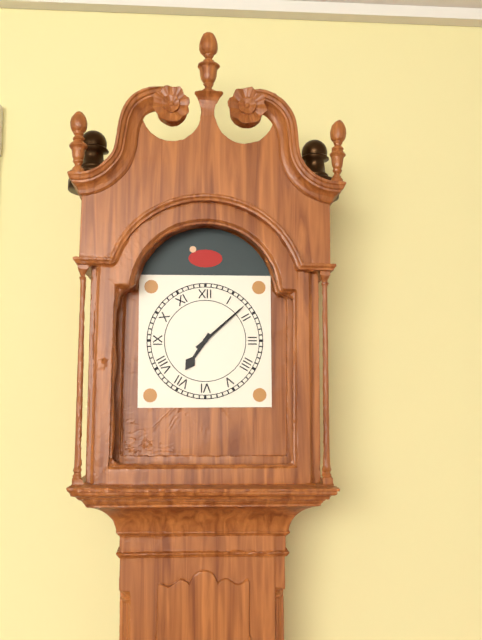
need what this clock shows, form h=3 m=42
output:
h=7 m=8
